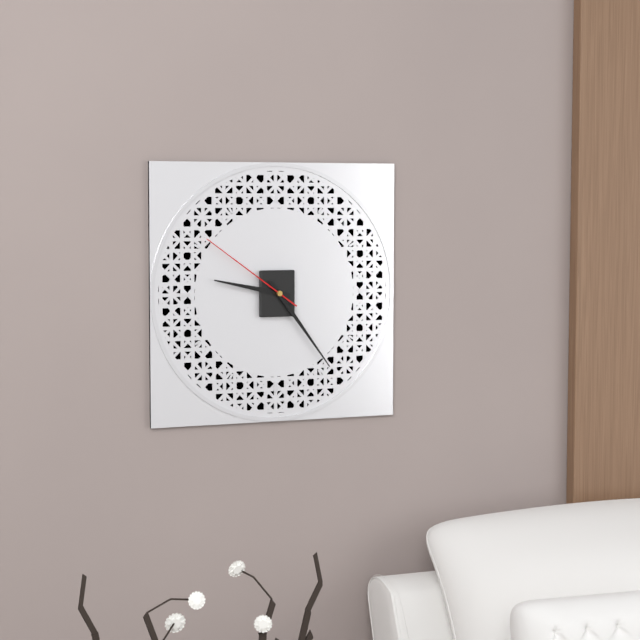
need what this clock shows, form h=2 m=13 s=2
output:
h=9 m=24 s=51
